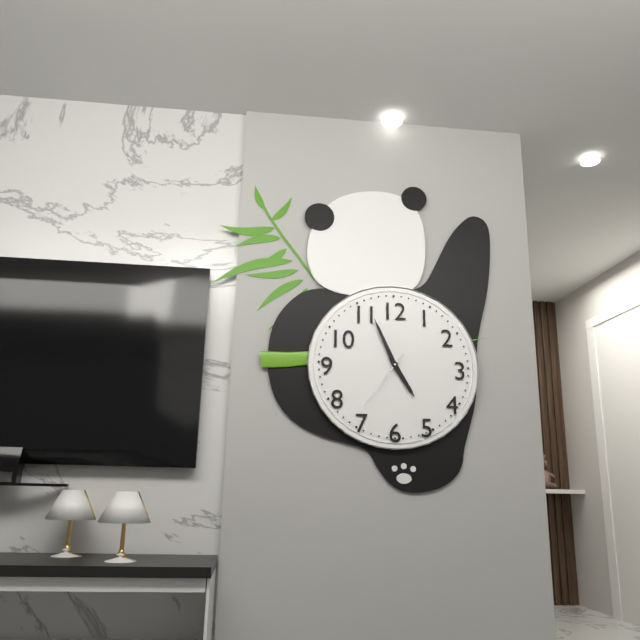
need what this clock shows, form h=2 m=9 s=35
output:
h=4 m=56 s=36
